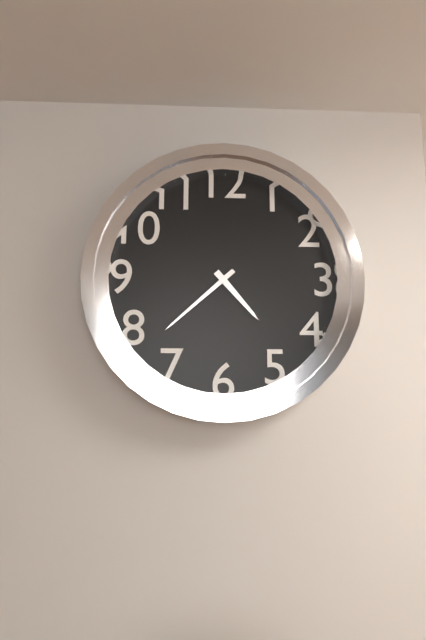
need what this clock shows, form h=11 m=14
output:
h=4 m=38
